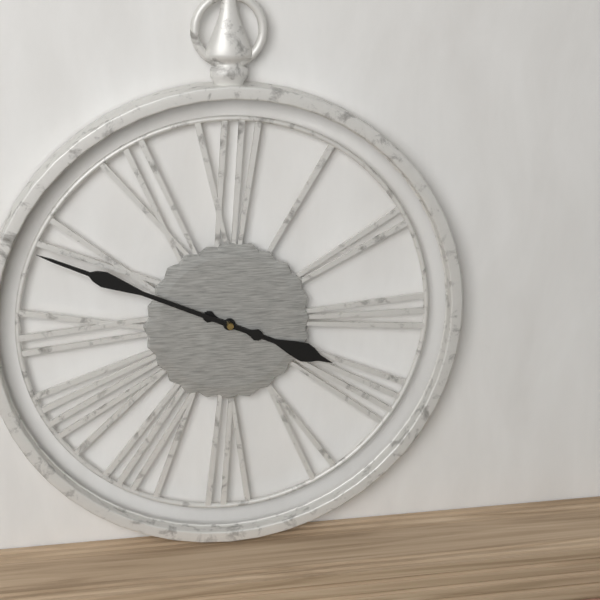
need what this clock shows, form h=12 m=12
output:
h=3 m=49
